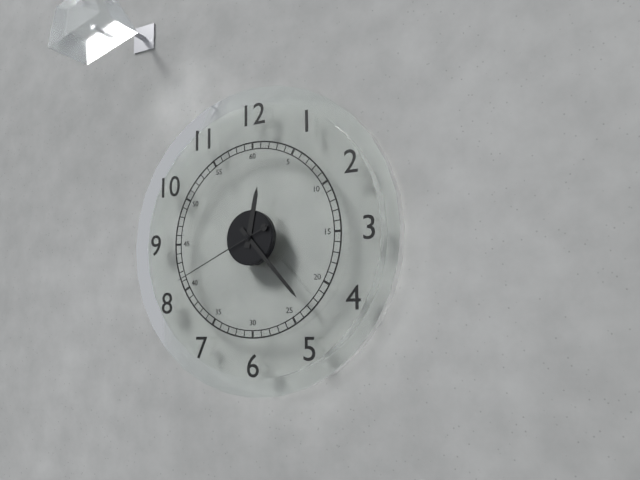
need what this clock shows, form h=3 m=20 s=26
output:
h=12 m=23 s=41
